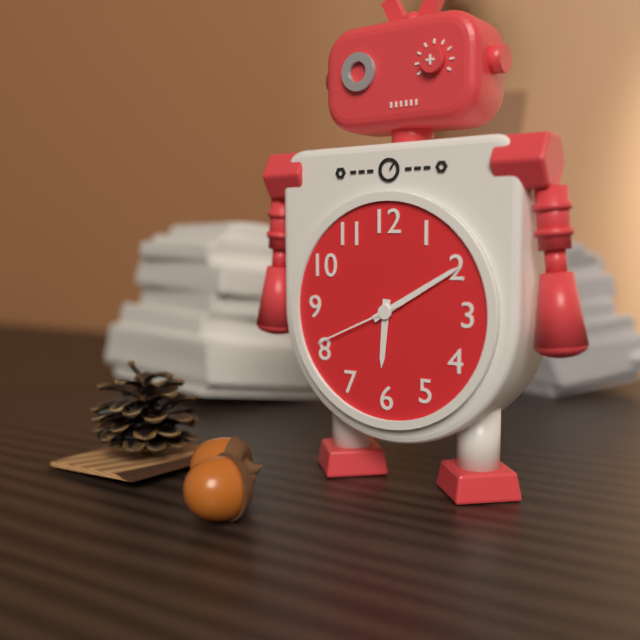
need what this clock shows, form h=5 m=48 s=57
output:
h=6 m=10 s=41
